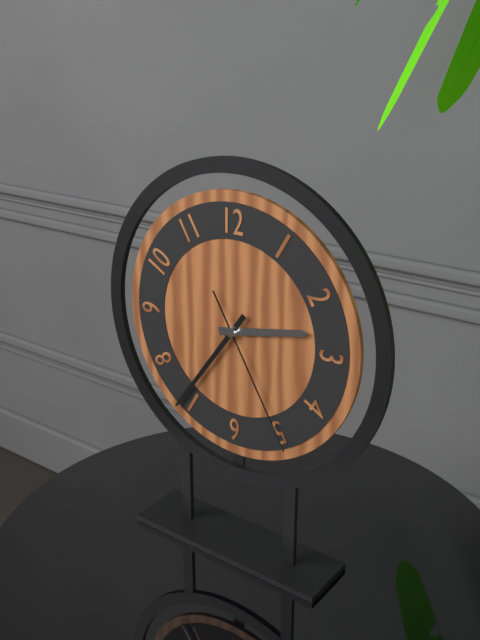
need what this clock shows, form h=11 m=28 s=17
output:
h=2 m=36 s=25
